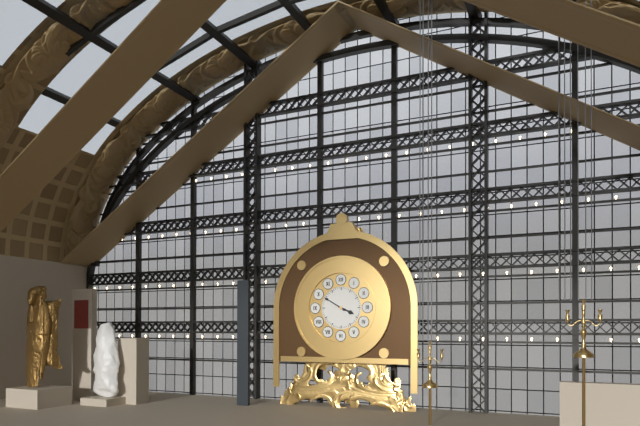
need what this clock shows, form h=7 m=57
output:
h=3 m=50
